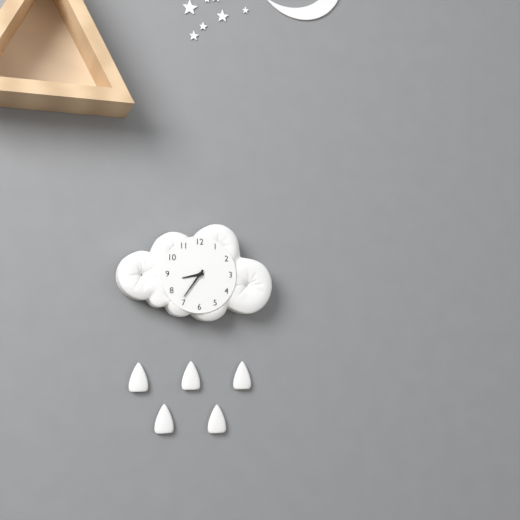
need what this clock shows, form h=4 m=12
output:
h=8 m=36
